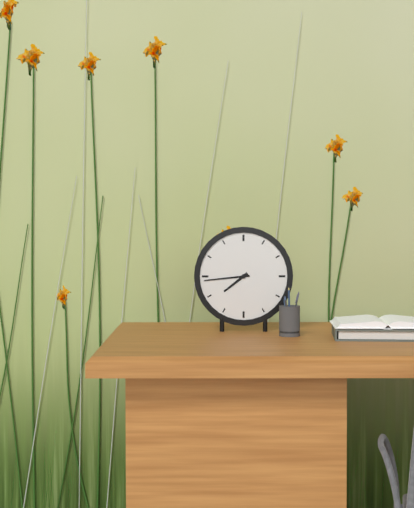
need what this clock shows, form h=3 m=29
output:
h=7 m=44
